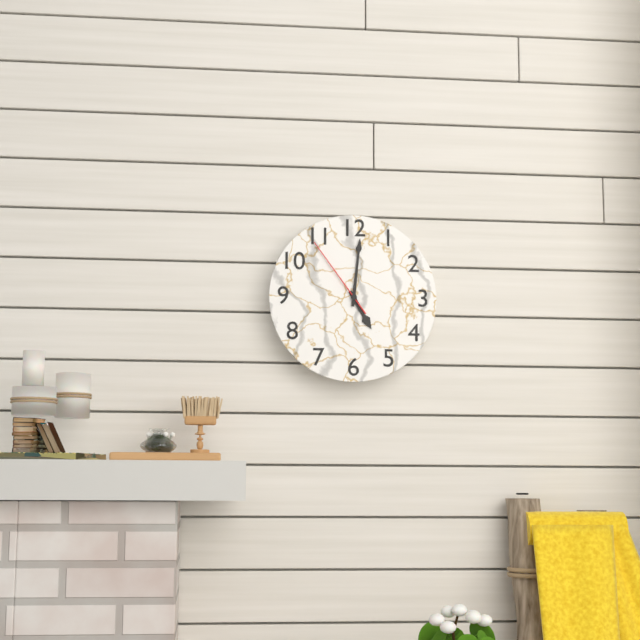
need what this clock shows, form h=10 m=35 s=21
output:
h=5 m=1 s=54
